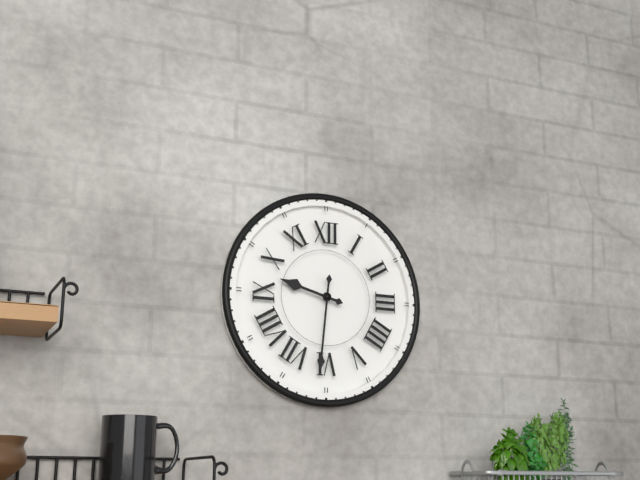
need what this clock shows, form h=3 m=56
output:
h=9 m=31
